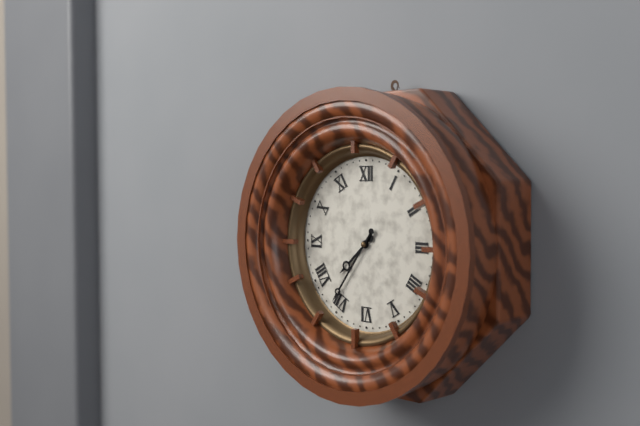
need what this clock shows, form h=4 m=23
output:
h=7 m=36
